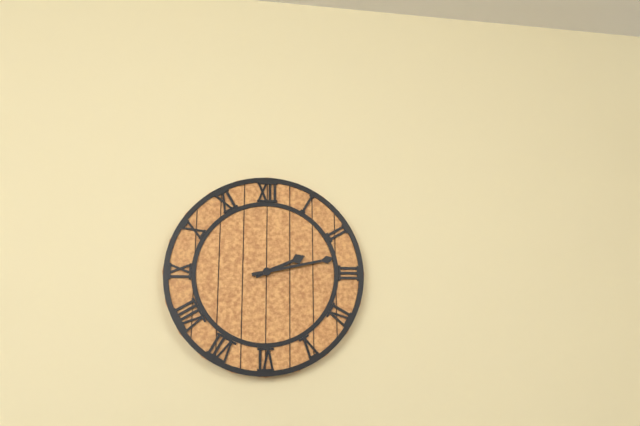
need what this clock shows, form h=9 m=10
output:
h=2 m=13
